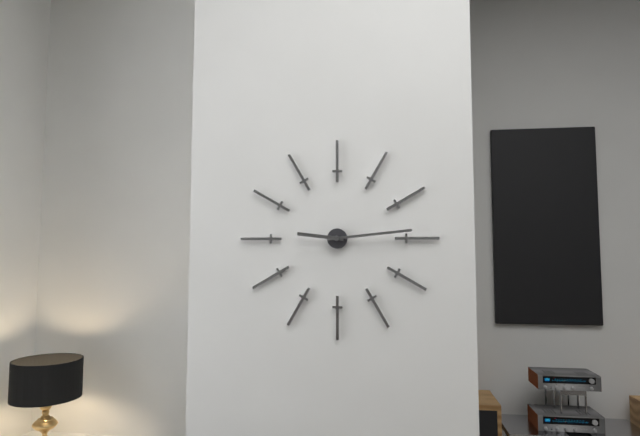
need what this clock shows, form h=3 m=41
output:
h=9 m=14
